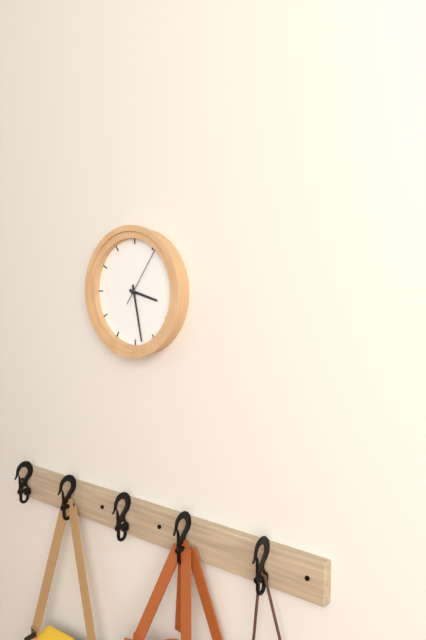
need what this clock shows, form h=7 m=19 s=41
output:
h=3 m=28 s=6
